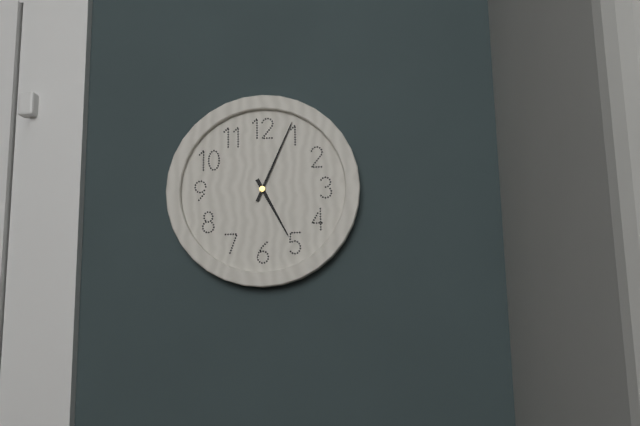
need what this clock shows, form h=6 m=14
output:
h=5 m=4
